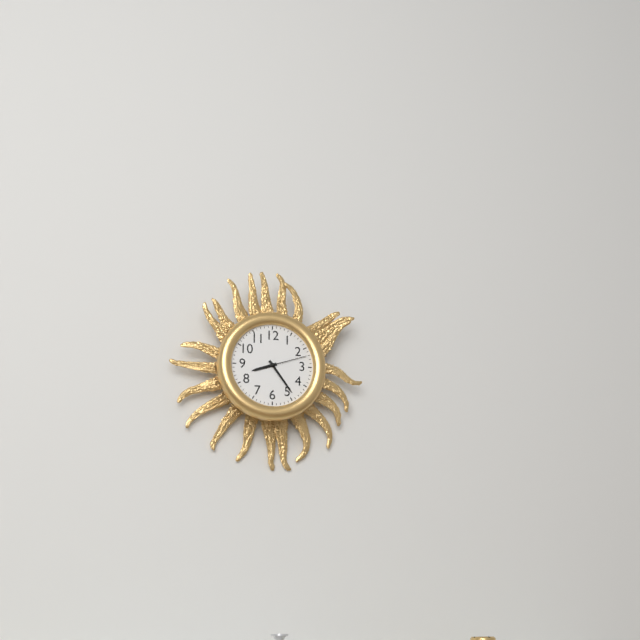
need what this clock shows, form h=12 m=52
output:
h=8 m=24
